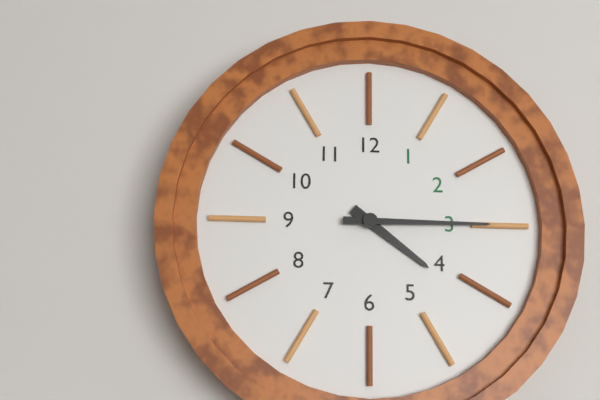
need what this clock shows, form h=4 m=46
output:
h=4 m=15
